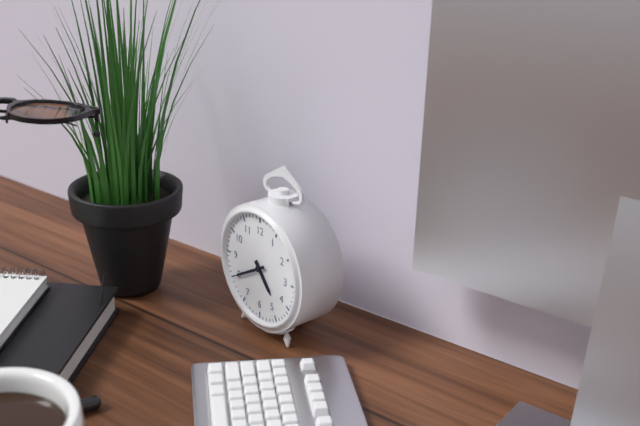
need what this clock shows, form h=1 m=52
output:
h=4 m=40
